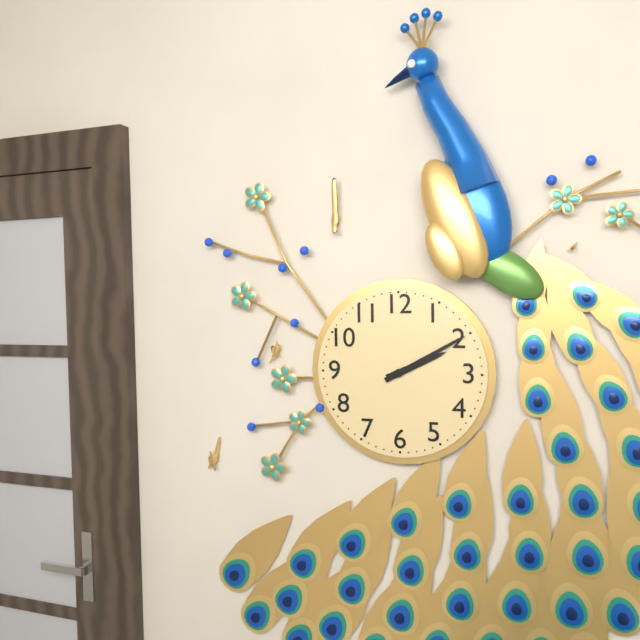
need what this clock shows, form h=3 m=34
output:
h=2 m=10
